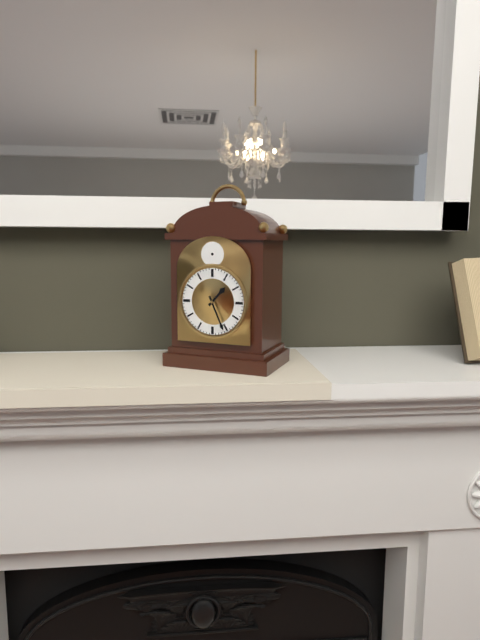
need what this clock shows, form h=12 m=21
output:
h=1 m=26
